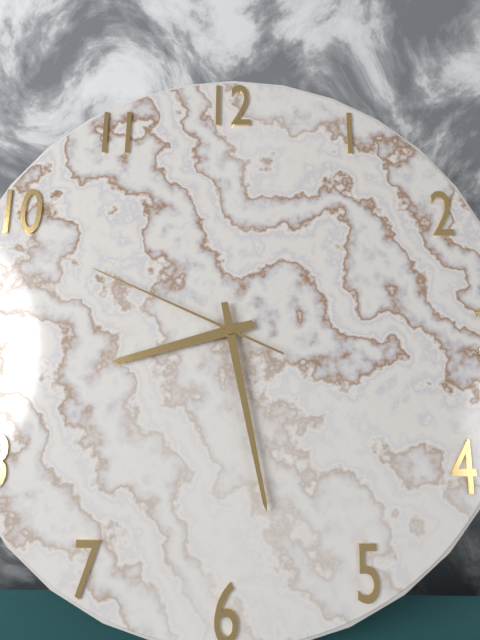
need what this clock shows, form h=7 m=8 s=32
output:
h=8 m=28 s=49
